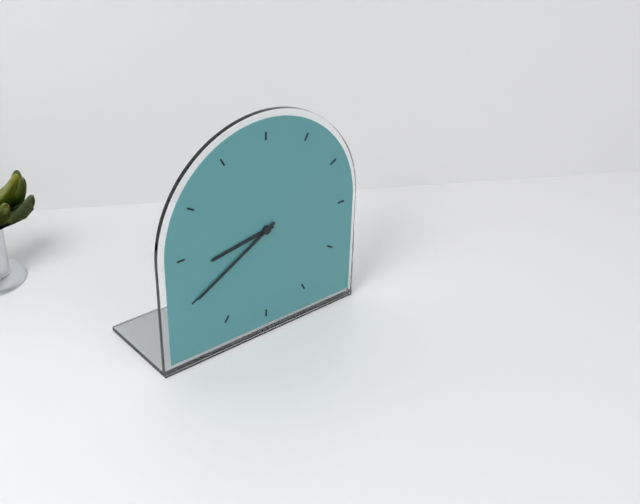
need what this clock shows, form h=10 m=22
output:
h=8 m=40
